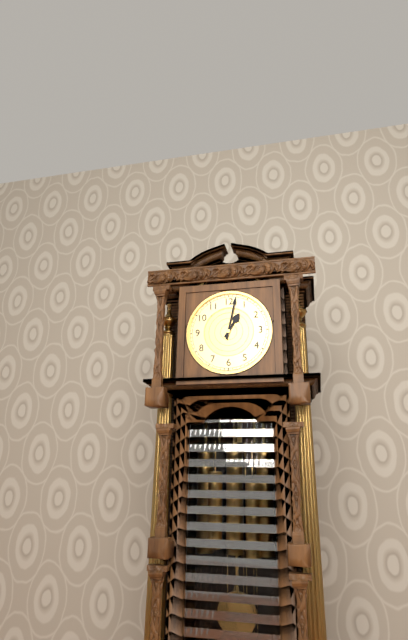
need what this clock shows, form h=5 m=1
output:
h=1 m=2
